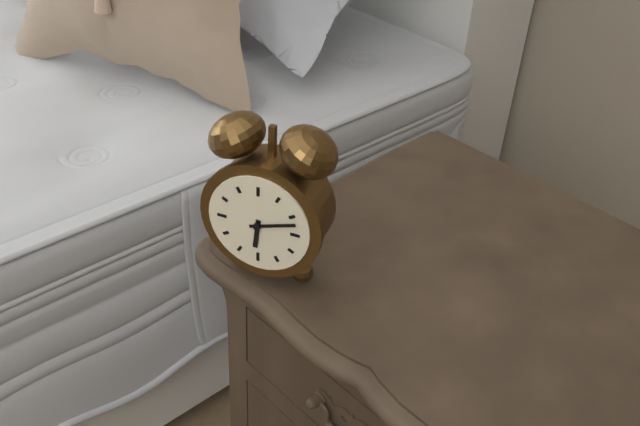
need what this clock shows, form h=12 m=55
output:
h=6 m=12
